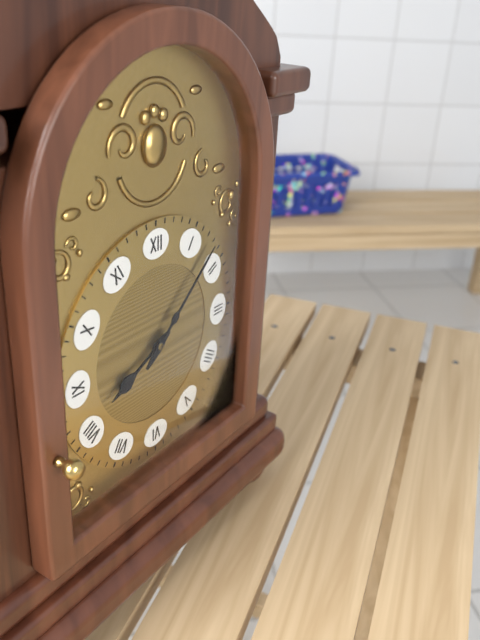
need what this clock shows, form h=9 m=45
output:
h=8 m=8
